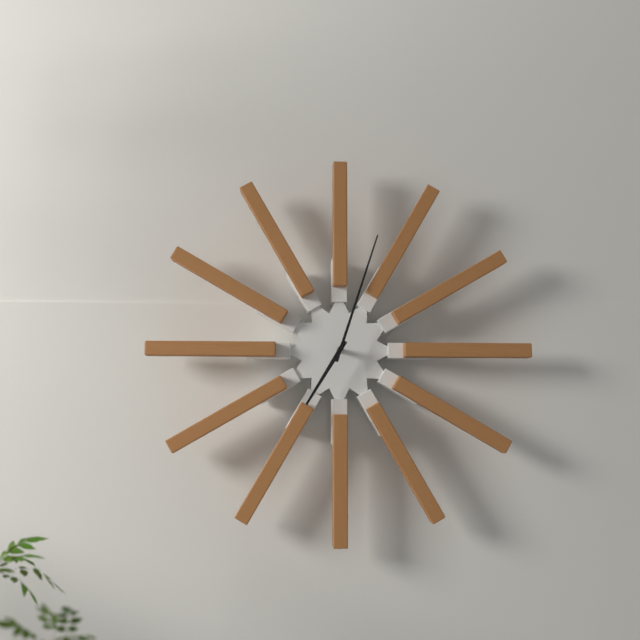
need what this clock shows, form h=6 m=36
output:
h=7 m=3
